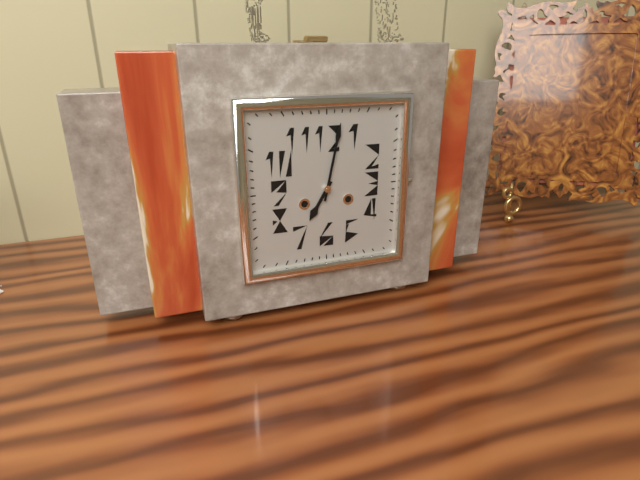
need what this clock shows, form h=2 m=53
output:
h=7 m=2
